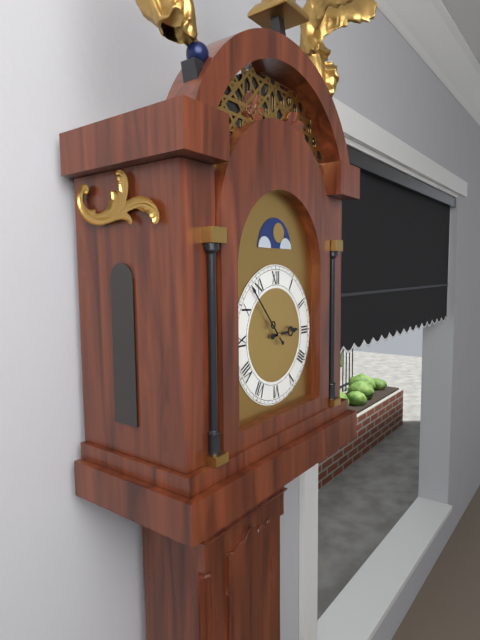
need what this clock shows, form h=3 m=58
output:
h=2 m=53
